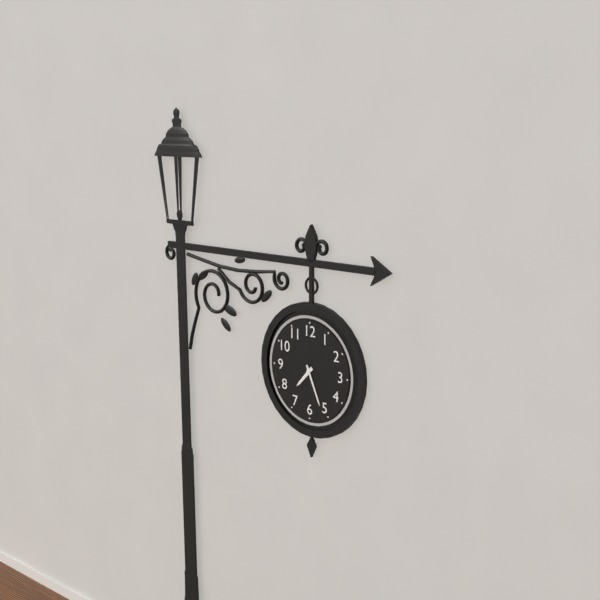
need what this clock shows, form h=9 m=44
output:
h=7 m=26
